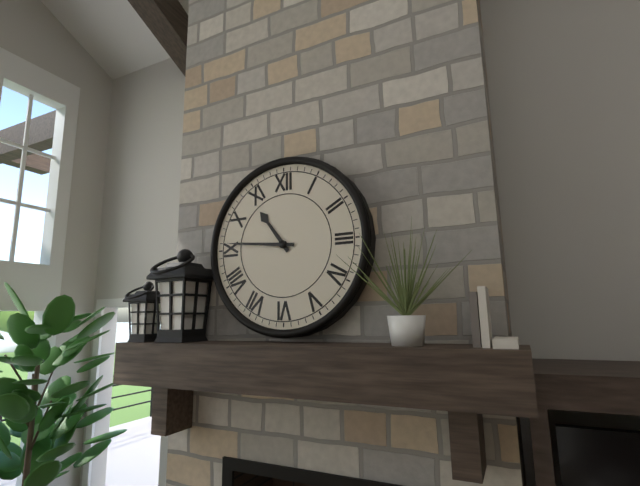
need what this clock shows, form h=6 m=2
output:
h=10 m=46
